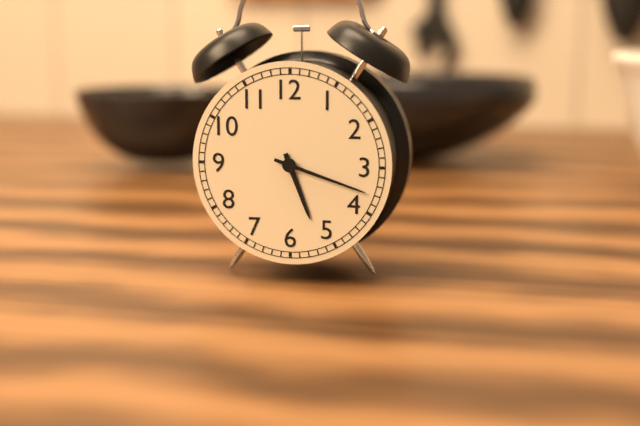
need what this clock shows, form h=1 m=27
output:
h=5 m=18
